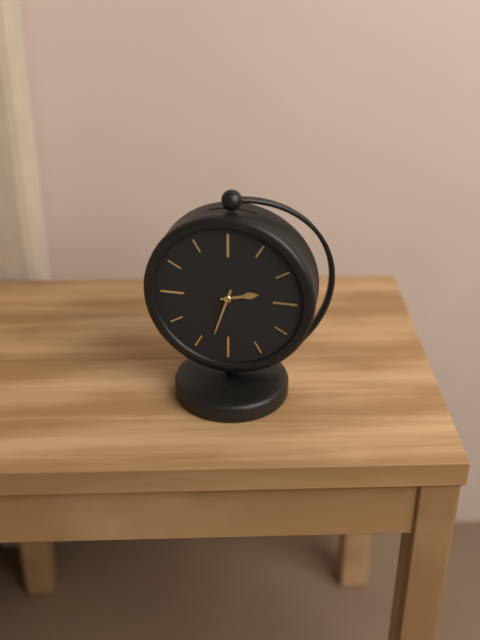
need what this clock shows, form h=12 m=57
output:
h=2 m=33
